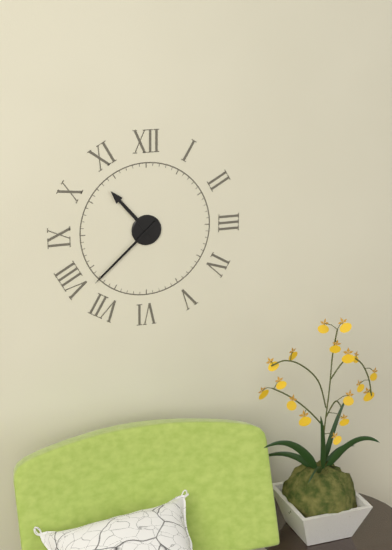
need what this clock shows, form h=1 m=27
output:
h=10 m=38
